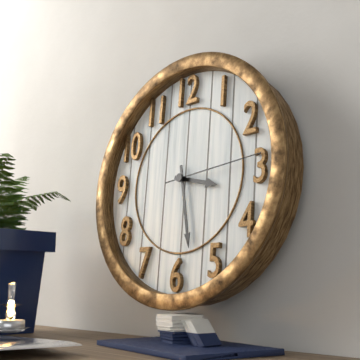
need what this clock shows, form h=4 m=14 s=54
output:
h=3 m=28 s=14
